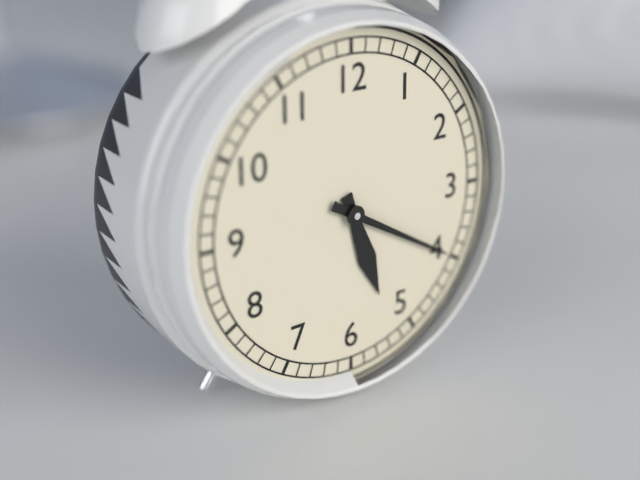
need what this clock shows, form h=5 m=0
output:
h=5 m=20
